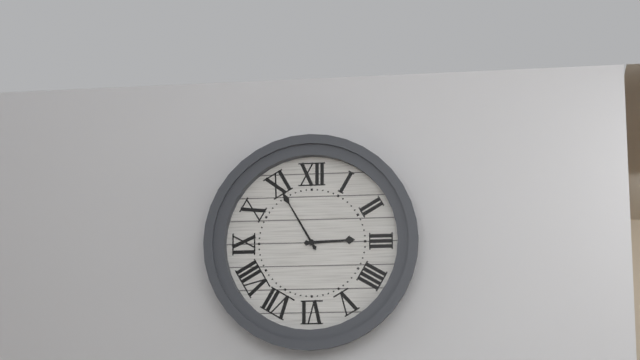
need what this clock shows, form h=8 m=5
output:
h=2 m=55
